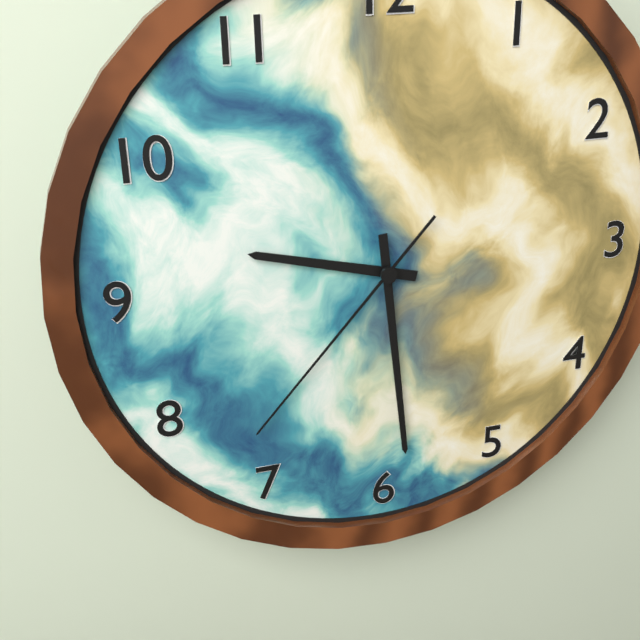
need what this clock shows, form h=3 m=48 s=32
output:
h=9 m=29 s=37
